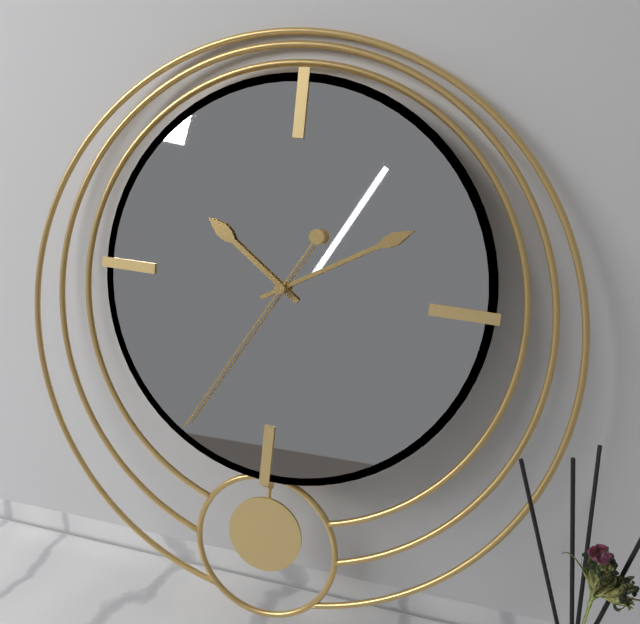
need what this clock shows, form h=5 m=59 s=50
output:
h=10 m=10 s=35
